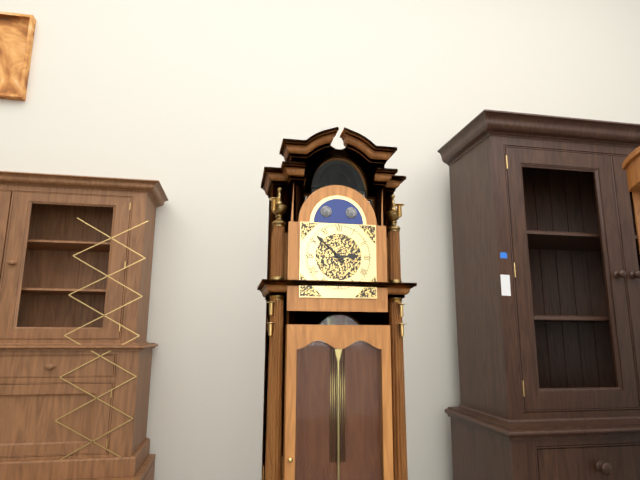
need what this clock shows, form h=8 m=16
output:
h=2 m=52
